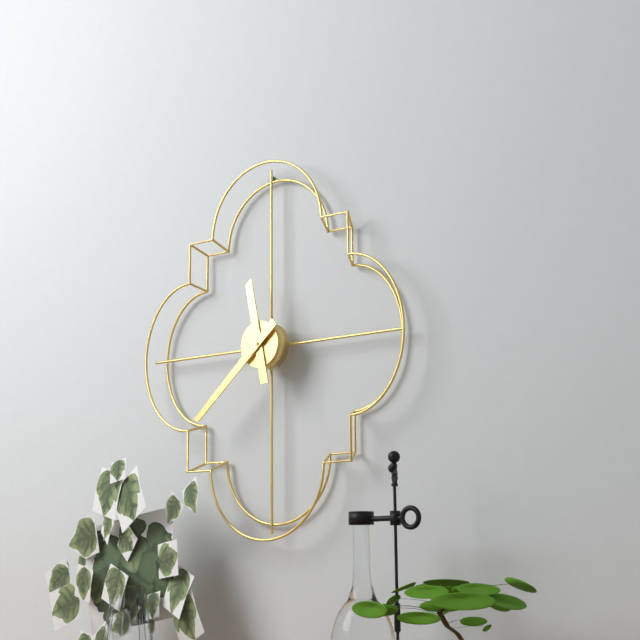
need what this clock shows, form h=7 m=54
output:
h=11 m=38
